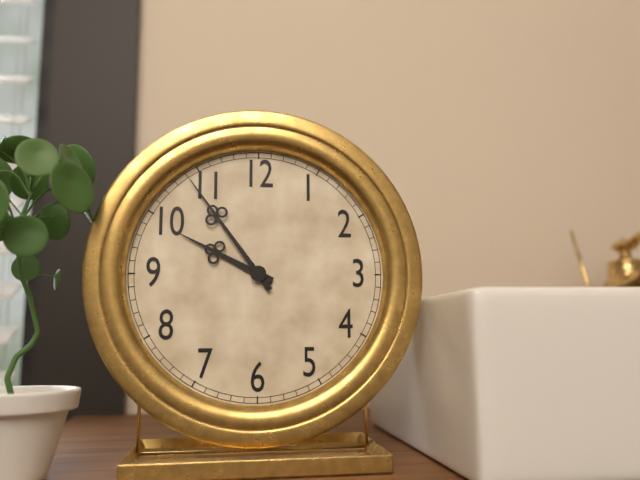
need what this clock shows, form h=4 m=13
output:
h=9 m=54
